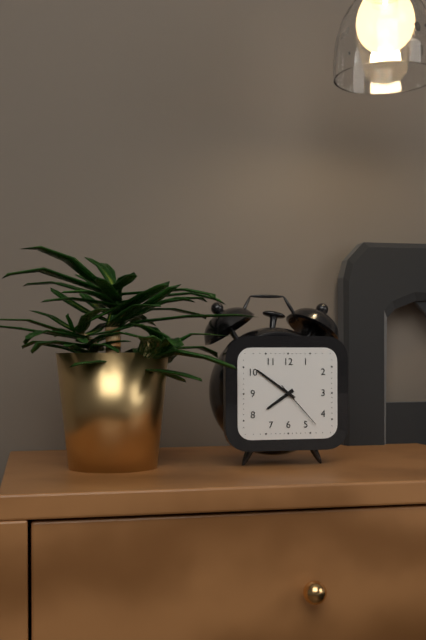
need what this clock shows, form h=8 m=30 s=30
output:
h=7 m=51 s=23
